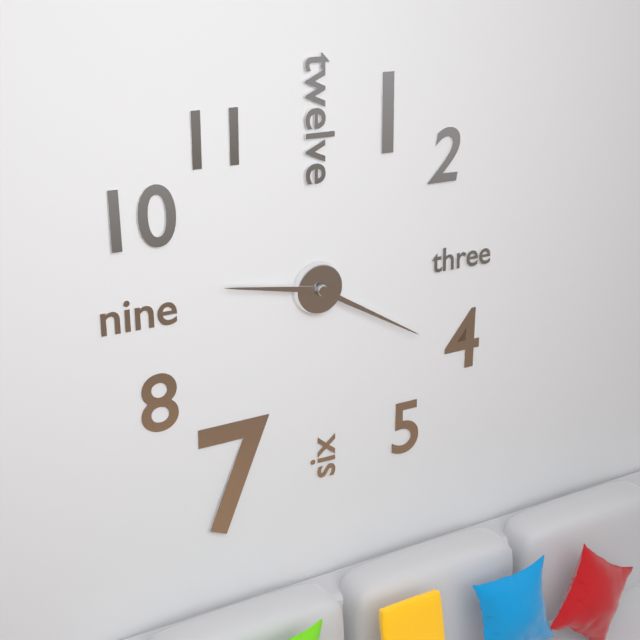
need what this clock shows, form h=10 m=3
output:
h=9 m=20
